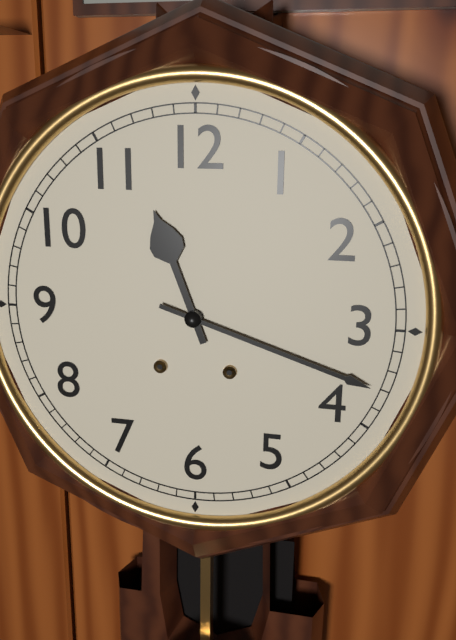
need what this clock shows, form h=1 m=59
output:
h=11 m=18
